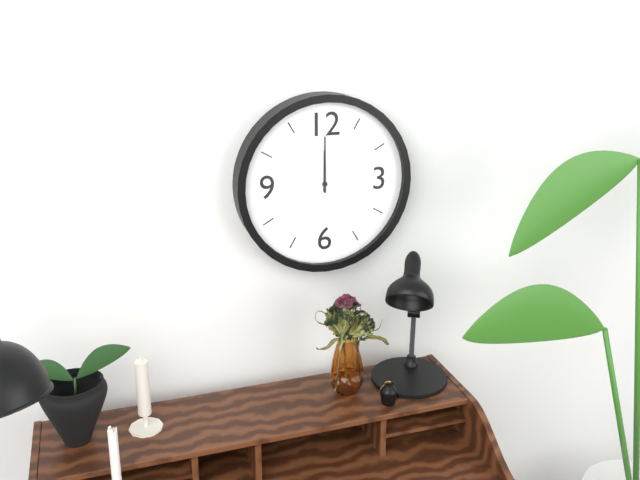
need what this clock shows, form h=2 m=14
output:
h=12 m=0
